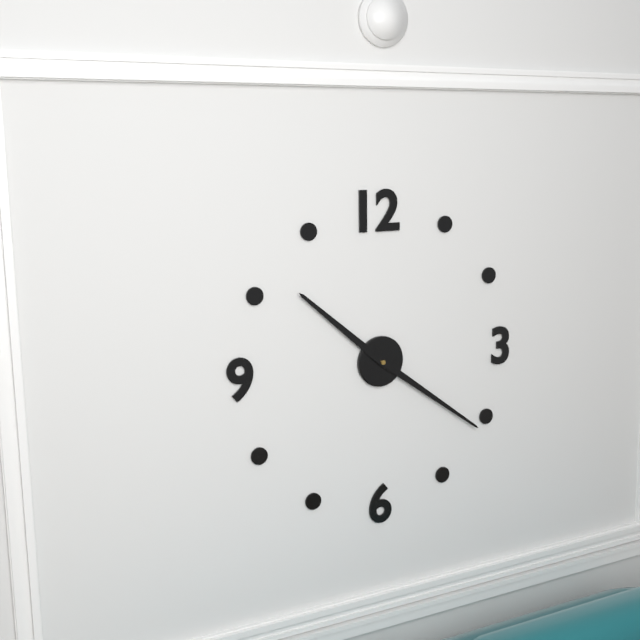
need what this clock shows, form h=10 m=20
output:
h=10 m=21
